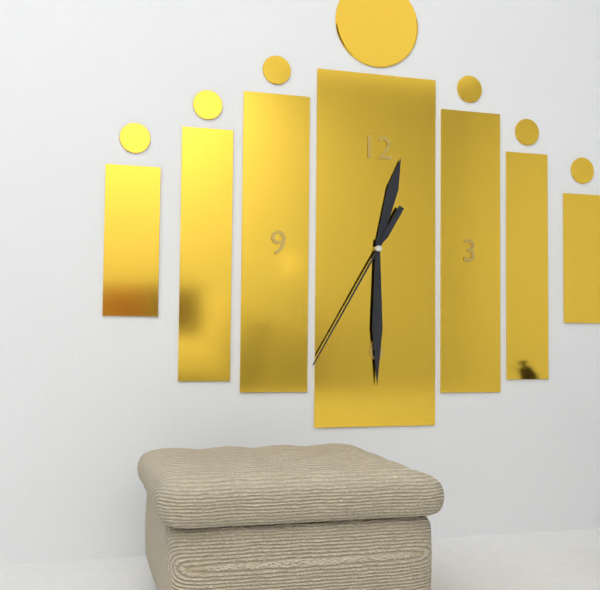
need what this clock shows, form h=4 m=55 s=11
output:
h=12 m=30 s=35
